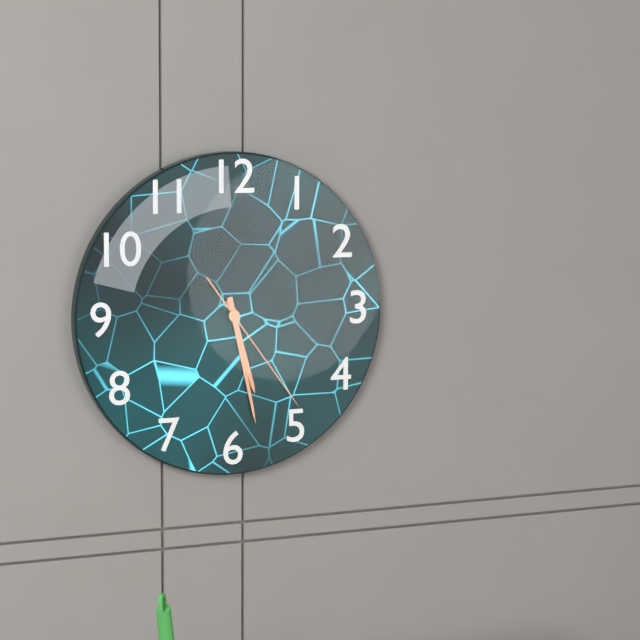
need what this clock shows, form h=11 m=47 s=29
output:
h=5 m=28 s=24
